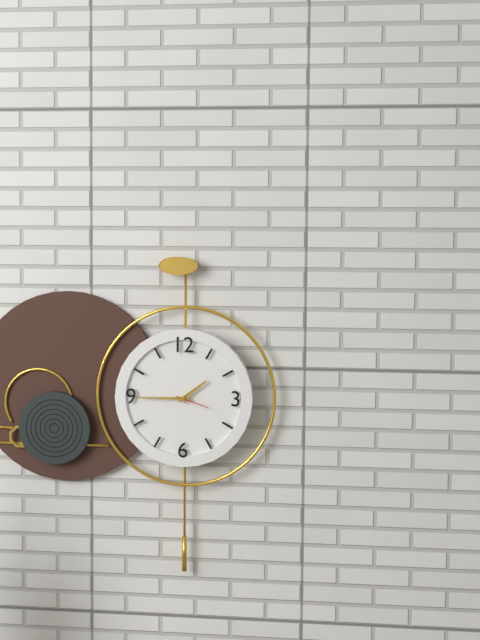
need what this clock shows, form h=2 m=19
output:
h=1 m=45
